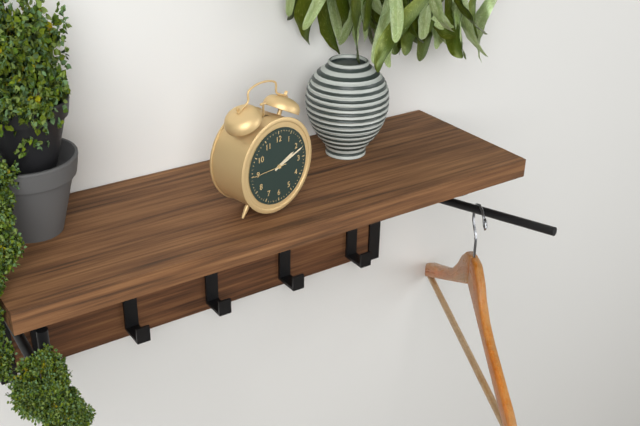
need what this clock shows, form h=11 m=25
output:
h=2 m=12
